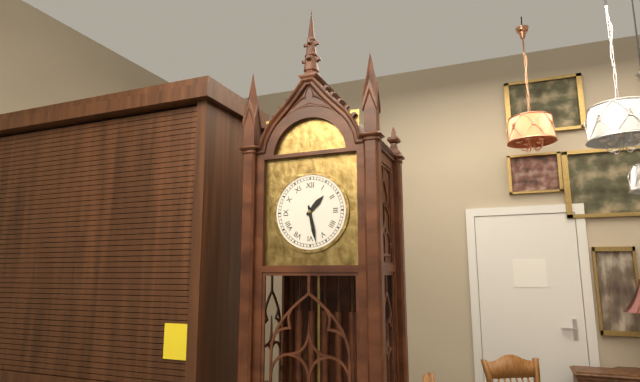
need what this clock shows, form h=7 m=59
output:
h=1 m=28
